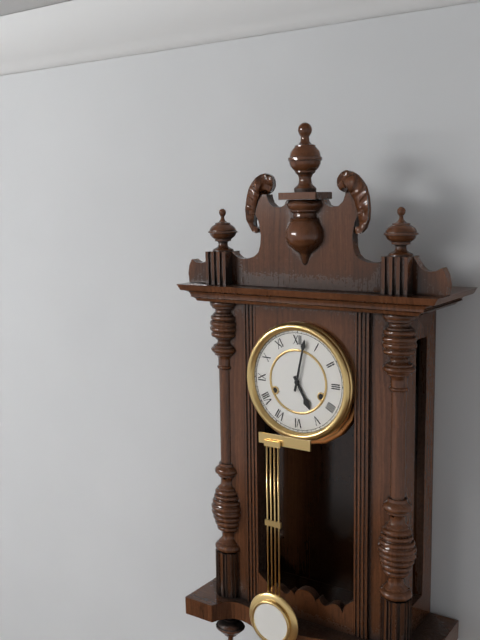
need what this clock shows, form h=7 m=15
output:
h=5 m=2
